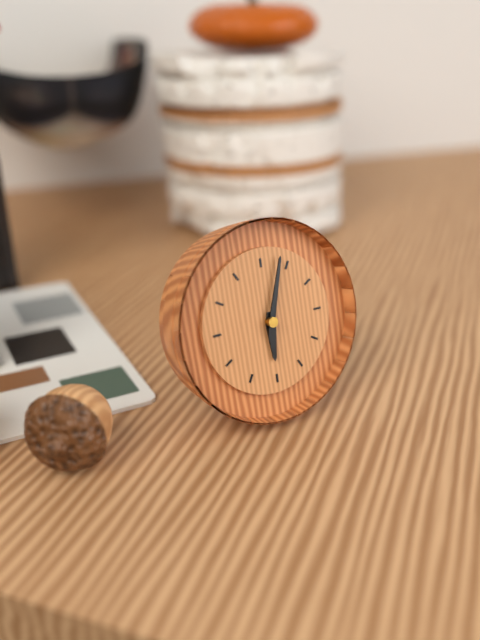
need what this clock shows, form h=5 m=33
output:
h=6 m=3
